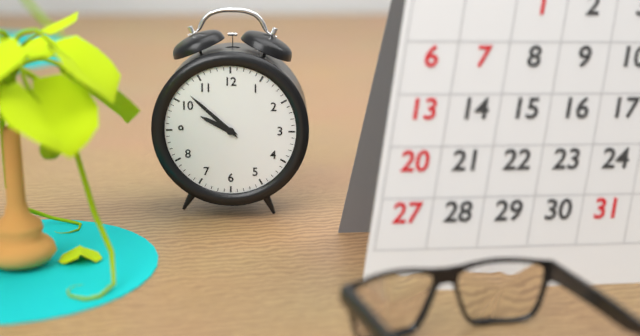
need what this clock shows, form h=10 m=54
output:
h=9 m=52
